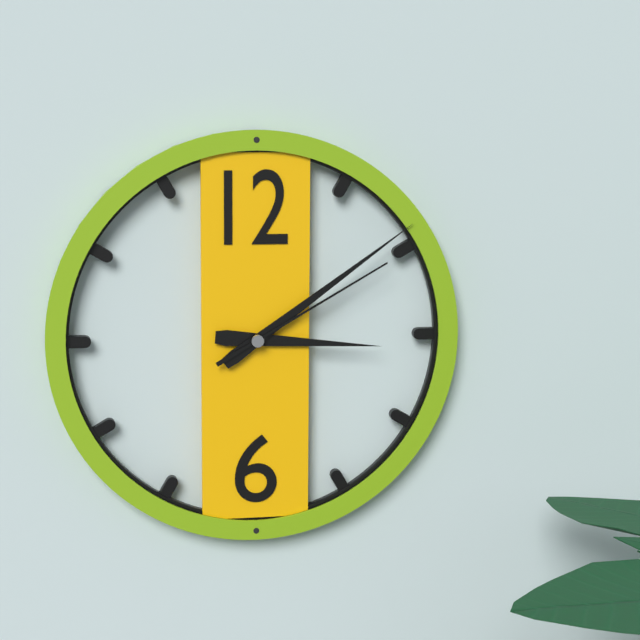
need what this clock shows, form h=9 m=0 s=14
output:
h=3 m=9 s=10
